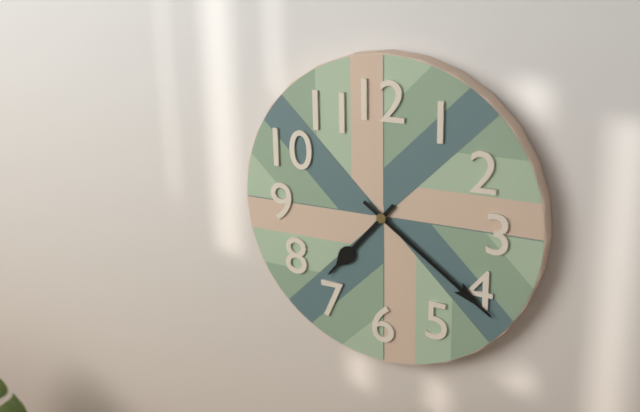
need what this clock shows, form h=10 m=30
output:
h=7 m=21
